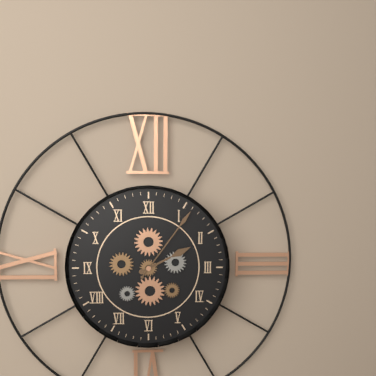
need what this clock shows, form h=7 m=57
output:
h=2 m=6
